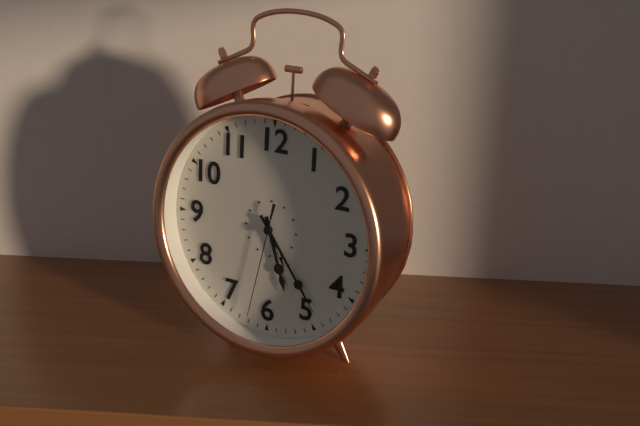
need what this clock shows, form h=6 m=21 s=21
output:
h=5 m=24 s=32
